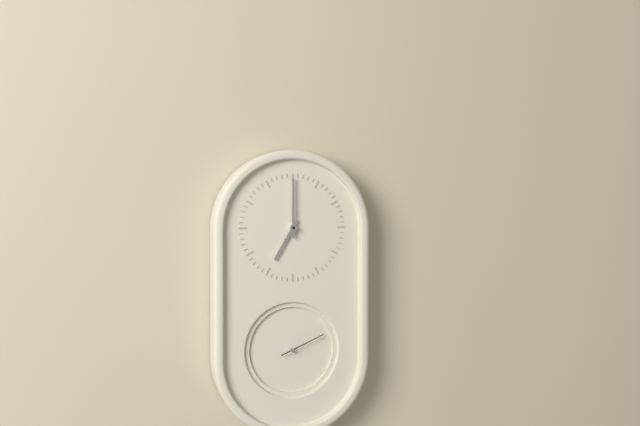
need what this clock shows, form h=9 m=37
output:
h=7 m=0
